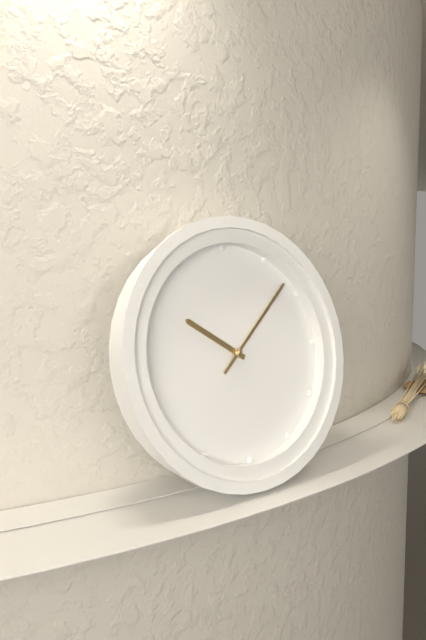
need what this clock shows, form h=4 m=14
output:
h=10 m=8
